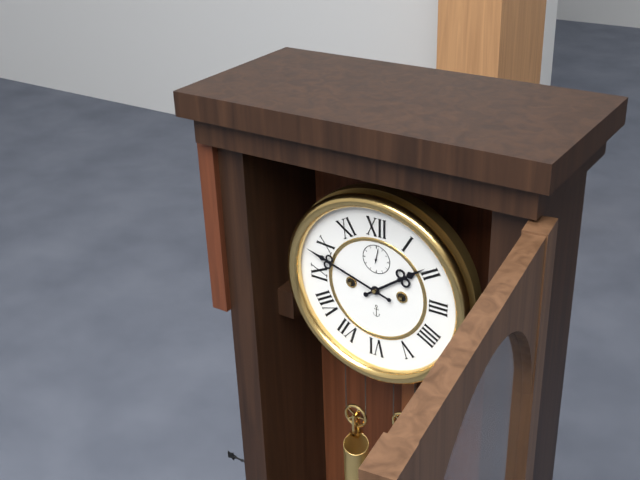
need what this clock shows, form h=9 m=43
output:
h=1 m=48
